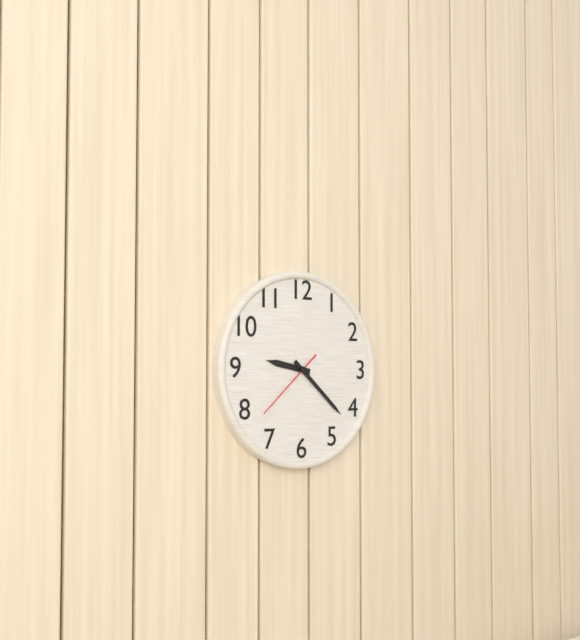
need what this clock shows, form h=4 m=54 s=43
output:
h=9 m=22 s=38
